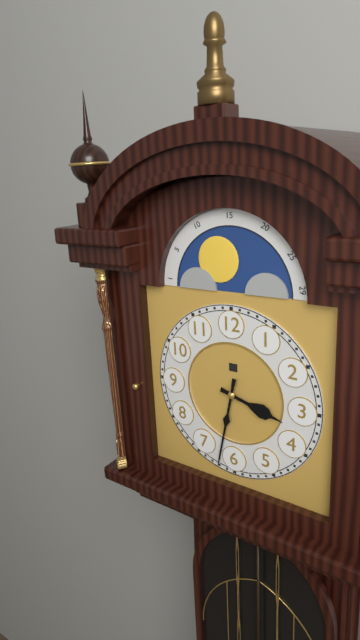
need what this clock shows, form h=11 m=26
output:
h=3 m=32
